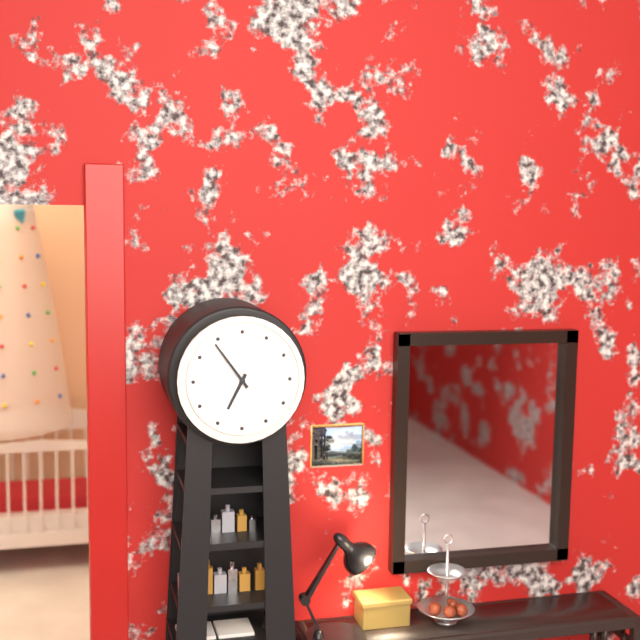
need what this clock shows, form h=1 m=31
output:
h=6 m=54
